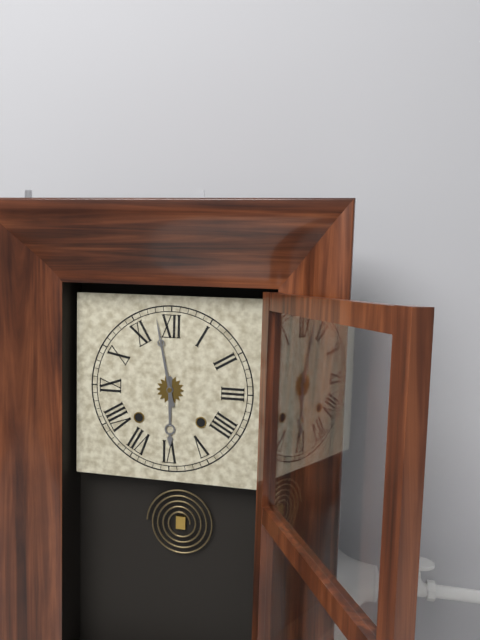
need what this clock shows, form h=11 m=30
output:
h=5 m=58
